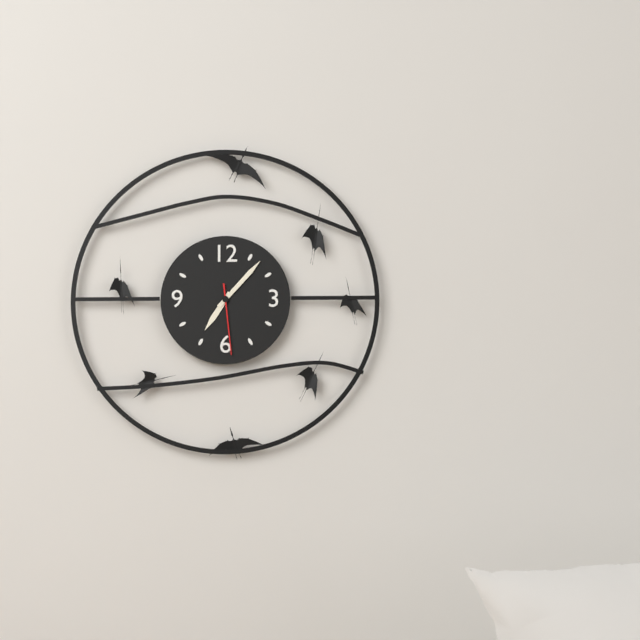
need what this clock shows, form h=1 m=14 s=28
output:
h=7 m=7 s=29
